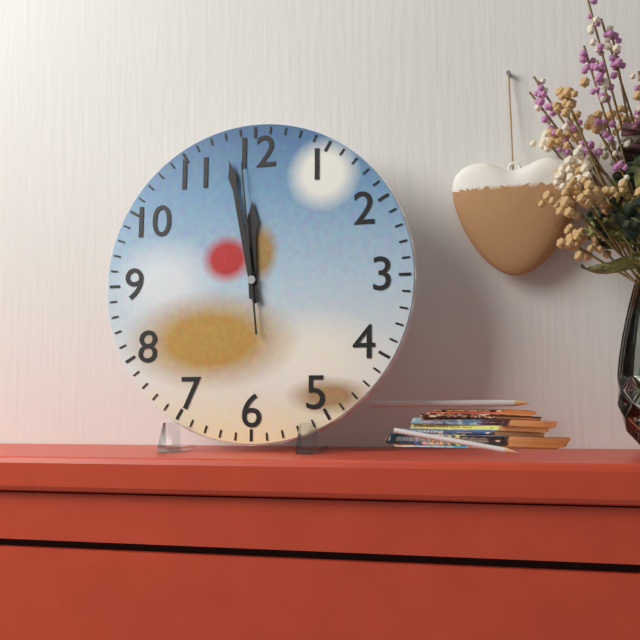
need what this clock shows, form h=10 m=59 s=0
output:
h=11 m=58 s=59
